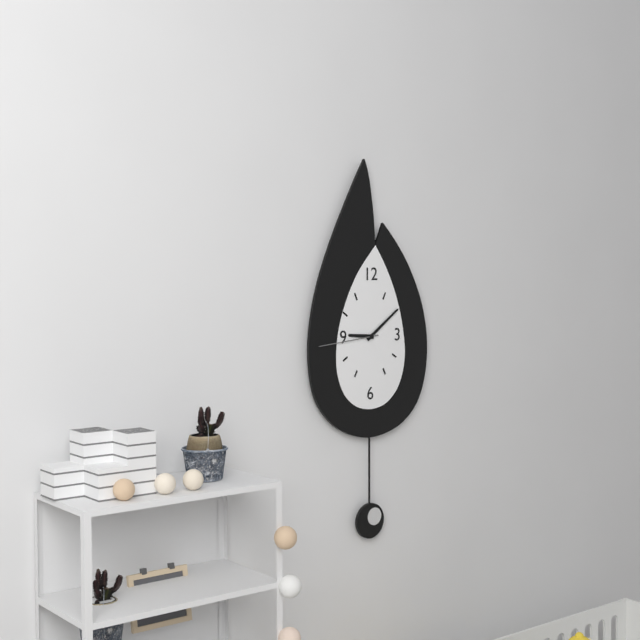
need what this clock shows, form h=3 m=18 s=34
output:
h=9 m=9 s=44
